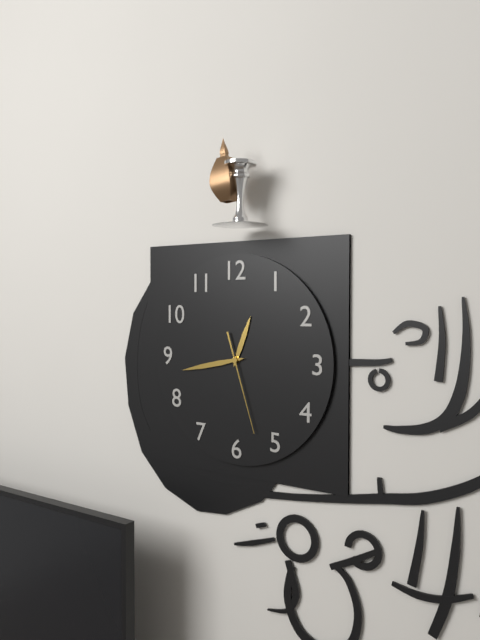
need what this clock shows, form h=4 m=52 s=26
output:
h=12 m=43 s=27
